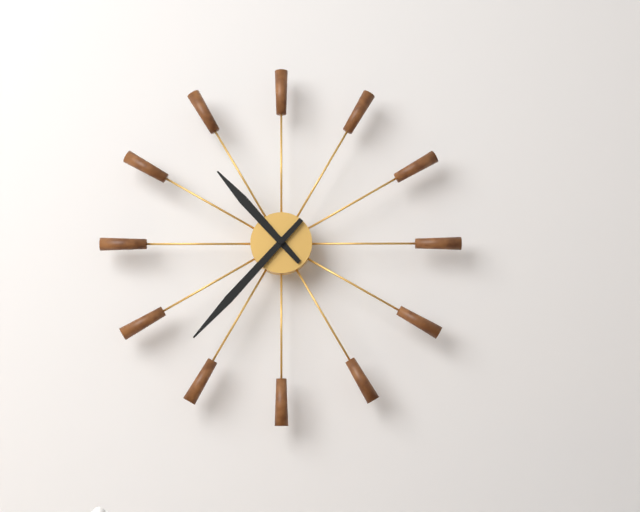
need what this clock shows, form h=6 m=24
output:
h=10 m=37
